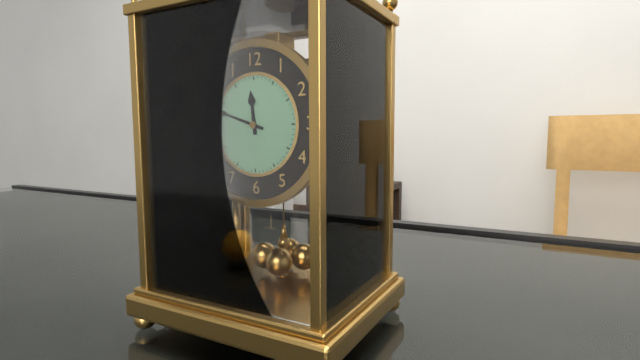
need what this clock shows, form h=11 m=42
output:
h=11 m=48
